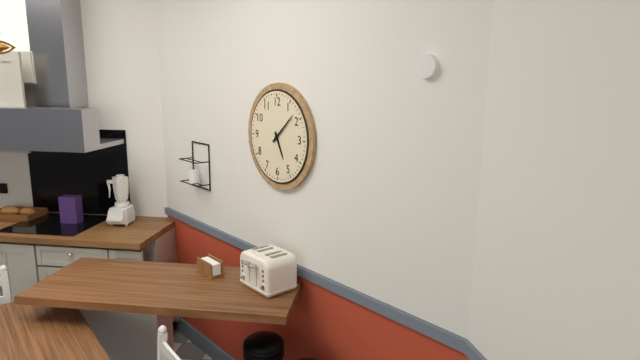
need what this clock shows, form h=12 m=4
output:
h=5 m=8
